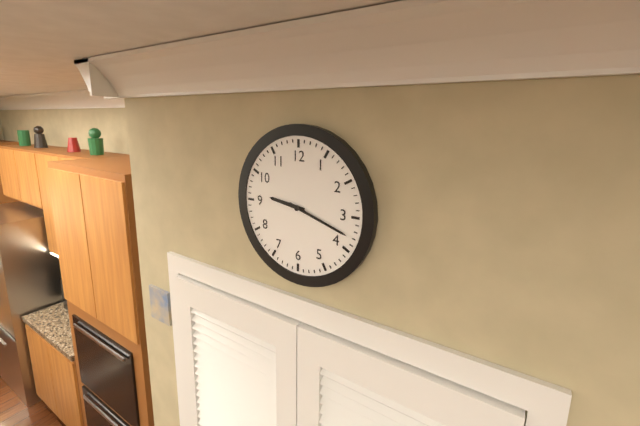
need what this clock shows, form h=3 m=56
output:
h=9 m=18
